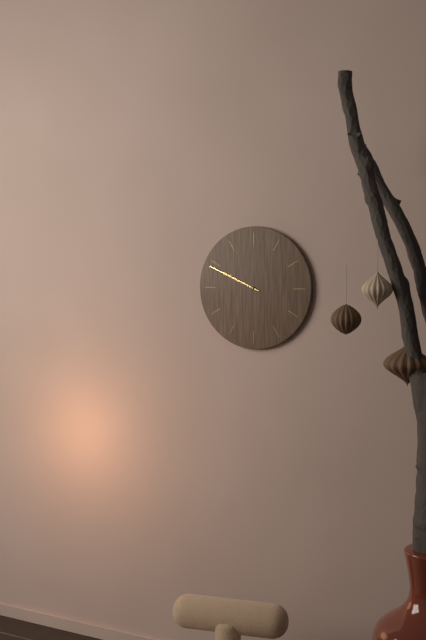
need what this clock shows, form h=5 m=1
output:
h=9 m=49
